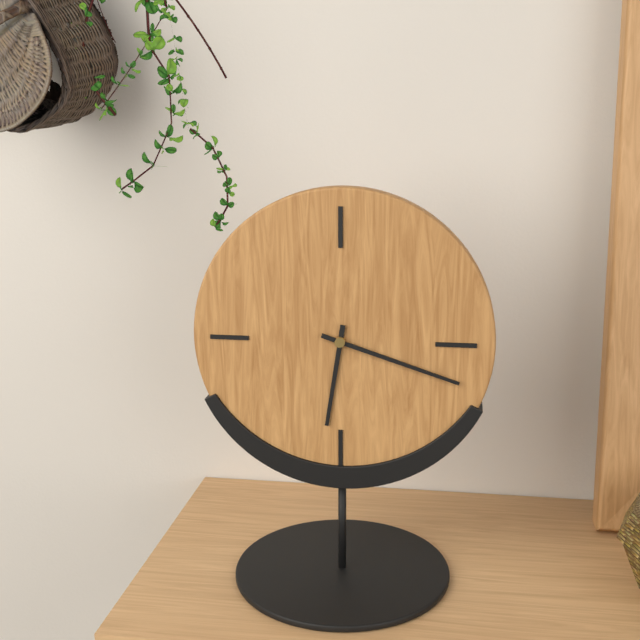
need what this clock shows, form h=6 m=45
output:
h=6 m=18
